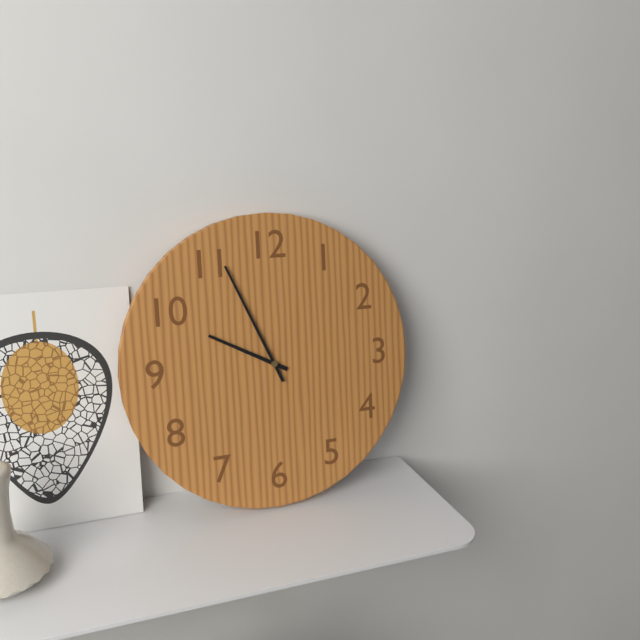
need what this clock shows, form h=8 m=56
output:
h=9 m=56
